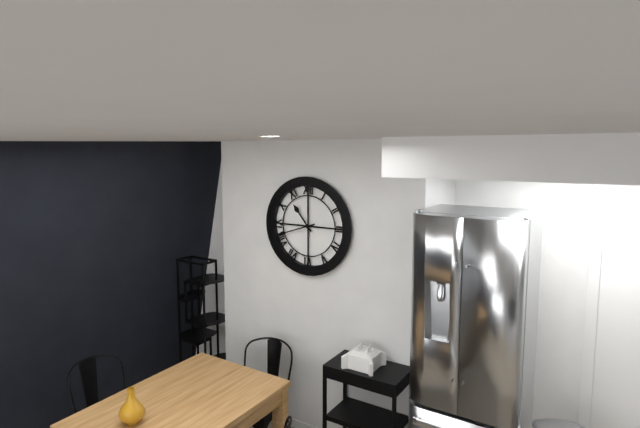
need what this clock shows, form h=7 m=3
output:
h=10 m=42
